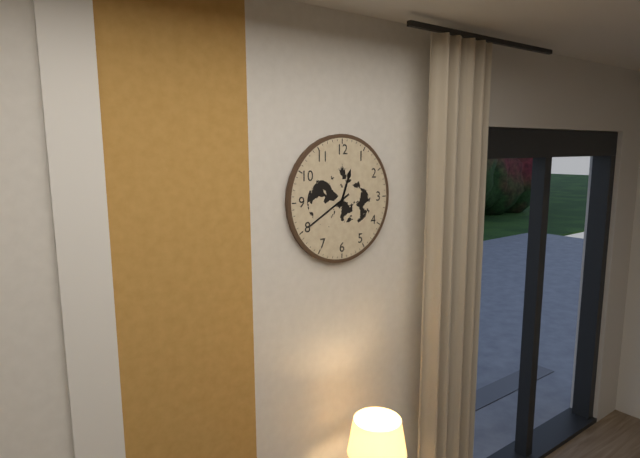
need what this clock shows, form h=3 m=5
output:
h=12 m=40
